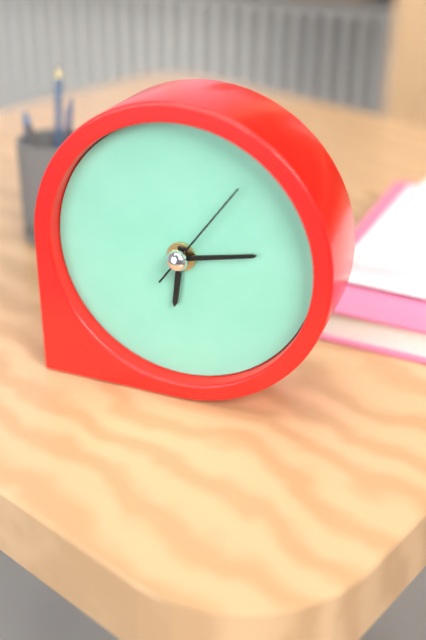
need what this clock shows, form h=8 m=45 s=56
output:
h=6 m=13 s=6
